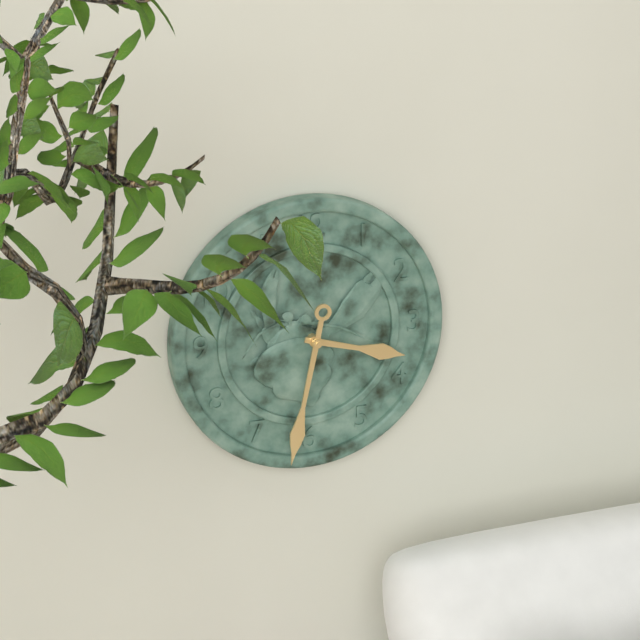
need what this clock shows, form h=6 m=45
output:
h=3 m=32
